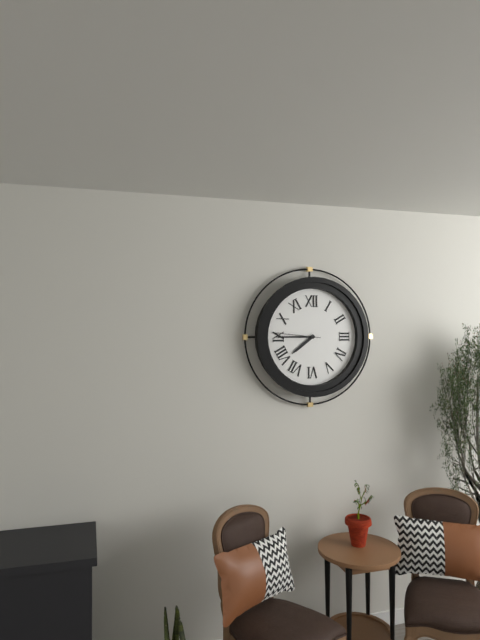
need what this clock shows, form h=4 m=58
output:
h=7 m=45
